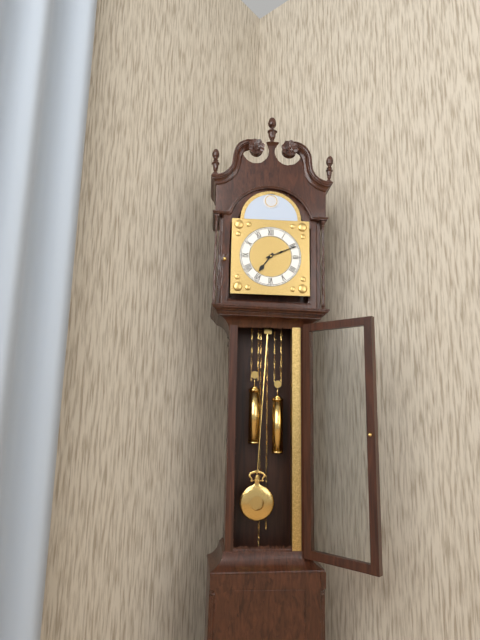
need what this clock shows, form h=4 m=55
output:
h=7 m=11
